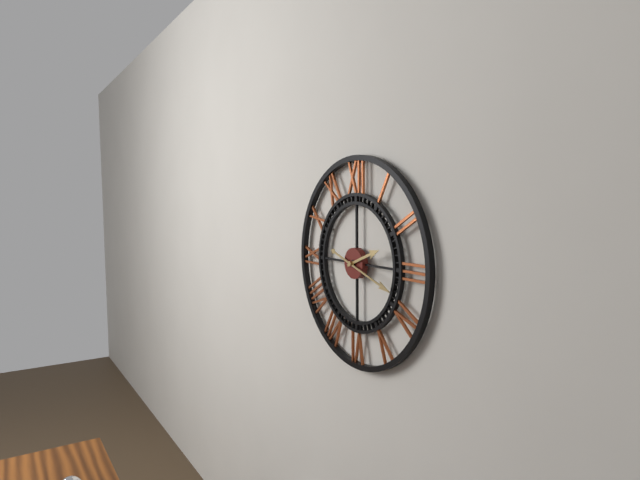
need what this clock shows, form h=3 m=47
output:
h=2 m=18
